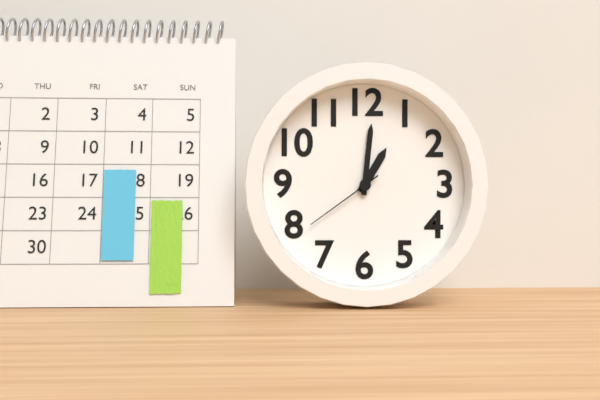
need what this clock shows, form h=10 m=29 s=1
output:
h=1 m=1 s=39
